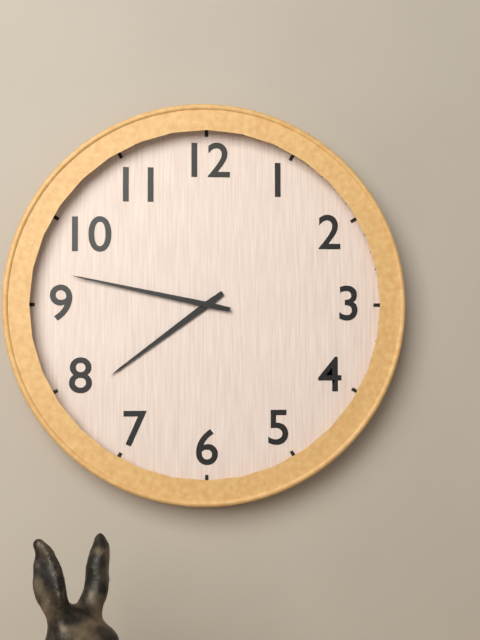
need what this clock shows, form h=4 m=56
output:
h=7 m=47
